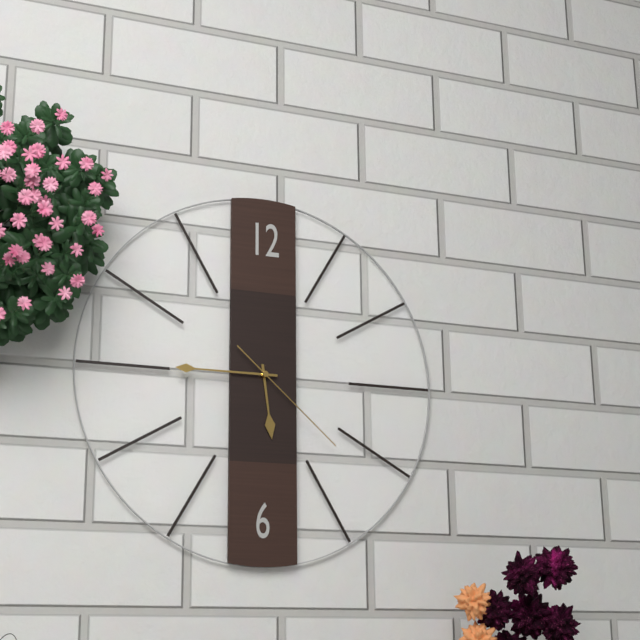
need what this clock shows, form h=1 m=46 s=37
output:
h=5 m=45 s=22
